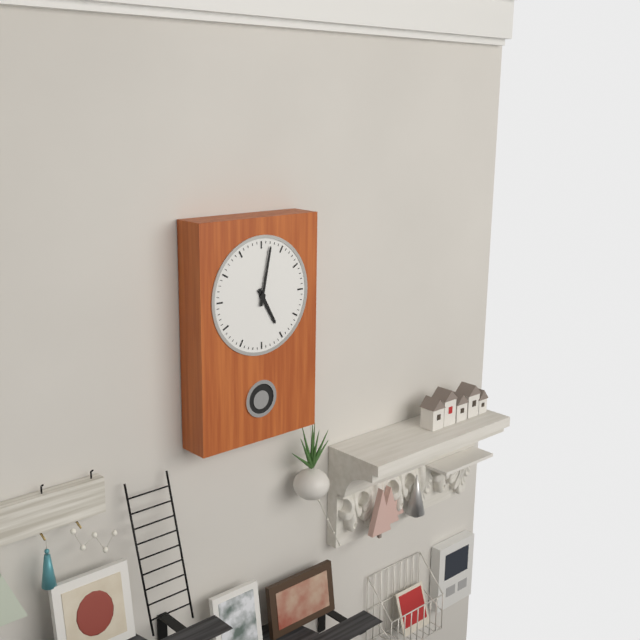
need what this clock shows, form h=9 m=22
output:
h=5 m=2
